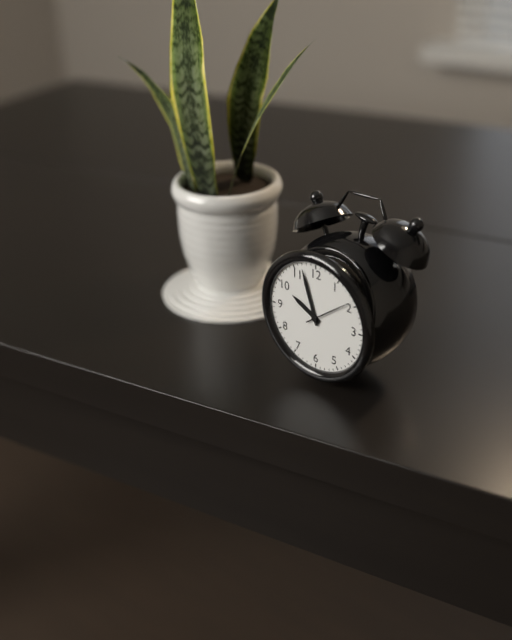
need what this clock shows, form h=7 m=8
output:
h=9 m=57
